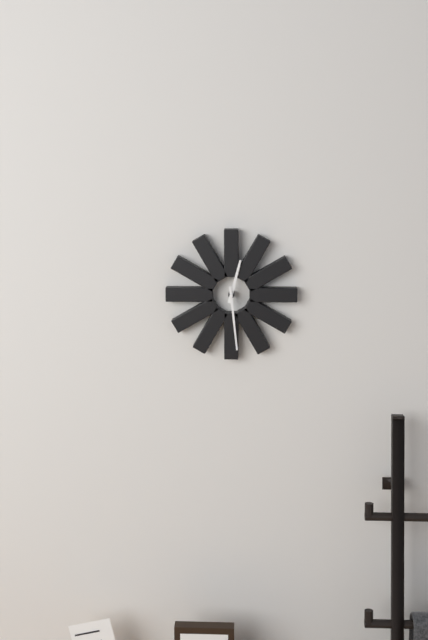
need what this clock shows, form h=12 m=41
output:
h=12 m=29
